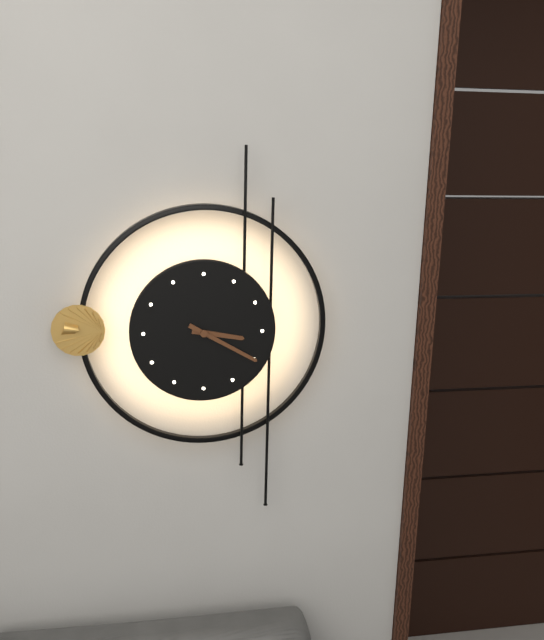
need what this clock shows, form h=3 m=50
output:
h=3 m=20
